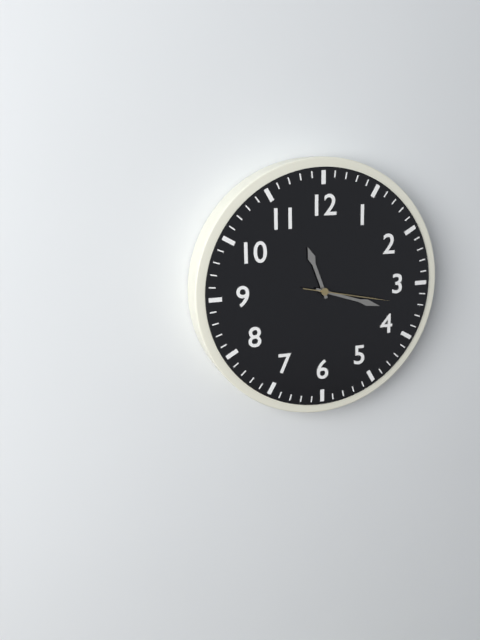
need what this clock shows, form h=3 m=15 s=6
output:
h=11 m=18 s=17
